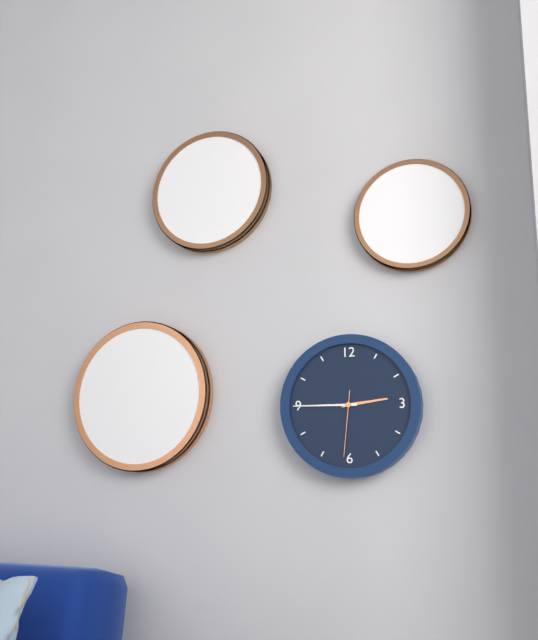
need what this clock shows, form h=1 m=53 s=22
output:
h=2 m=45 s=31
